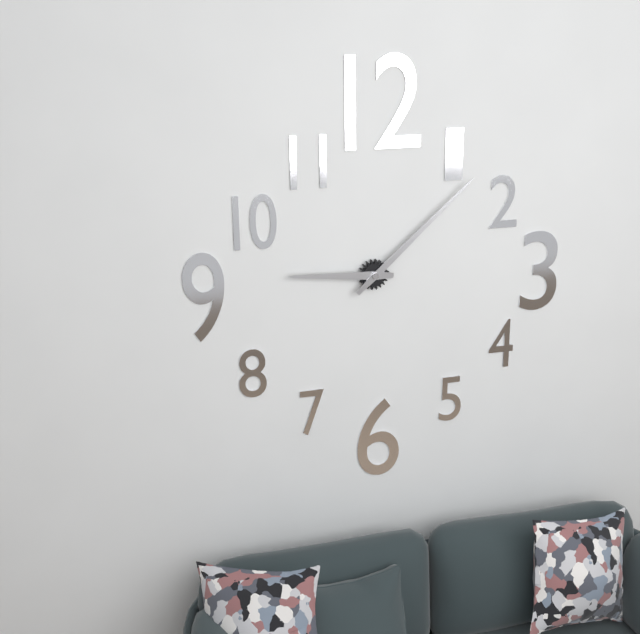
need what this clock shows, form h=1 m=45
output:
h=9 m=8
